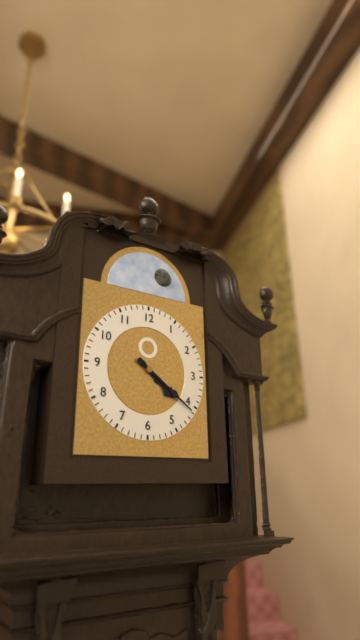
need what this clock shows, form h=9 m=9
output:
h=4 m=21
